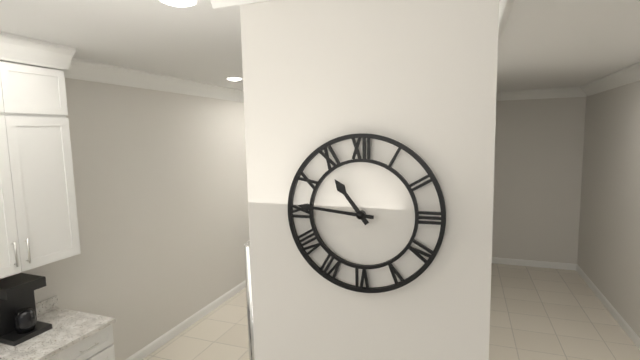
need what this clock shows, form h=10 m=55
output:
h=10 m=46
